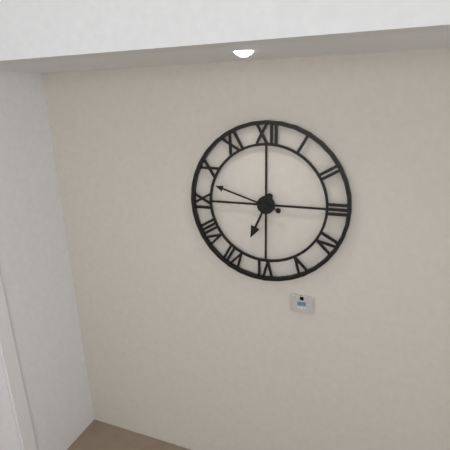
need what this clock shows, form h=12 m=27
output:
h=6 m=48
